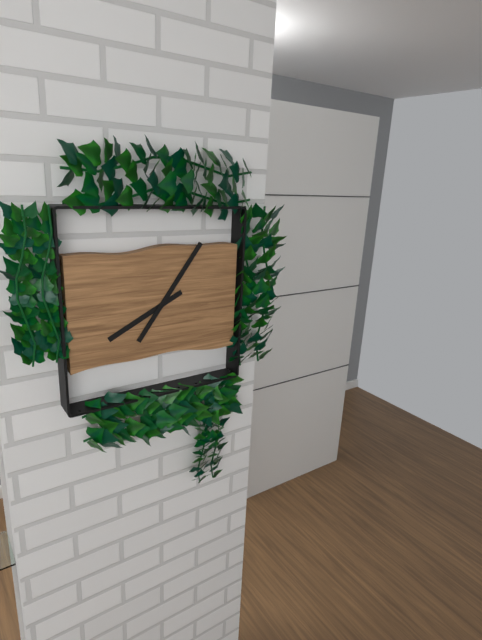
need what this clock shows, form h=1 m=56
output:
h=8 m=6
